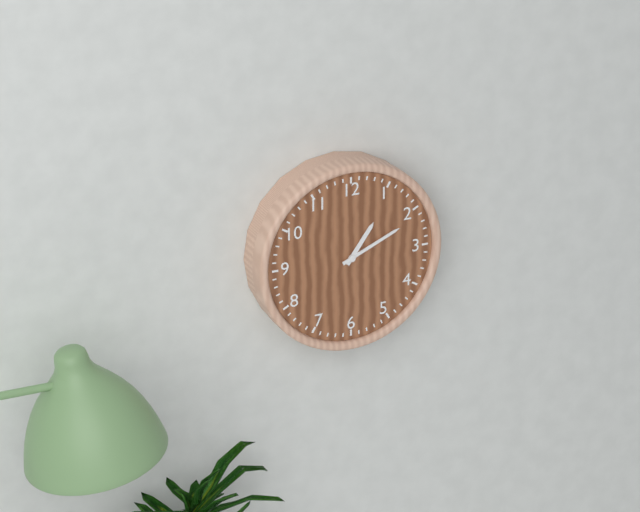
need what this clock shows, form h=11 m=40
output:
h=1 m=11
